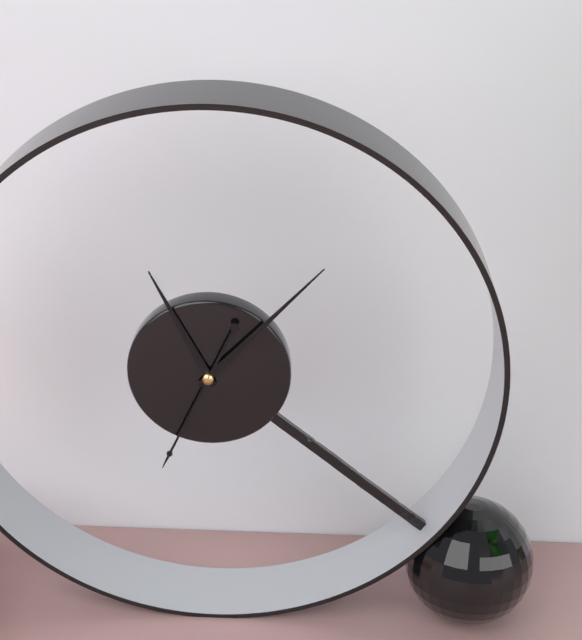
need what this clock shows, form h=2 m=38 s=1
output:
h=11 m=7 s=34
